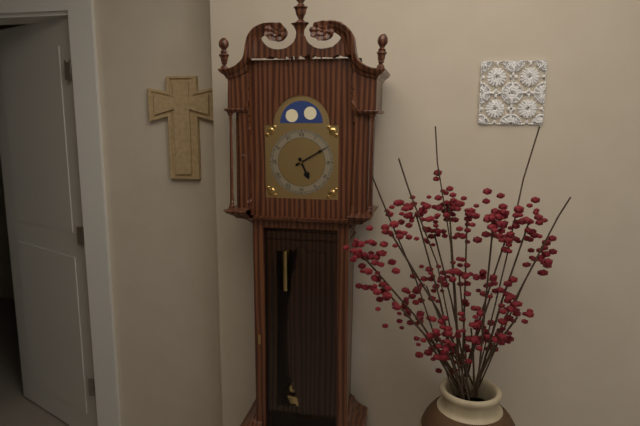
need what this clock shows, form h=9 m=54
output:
h=5 m=10
